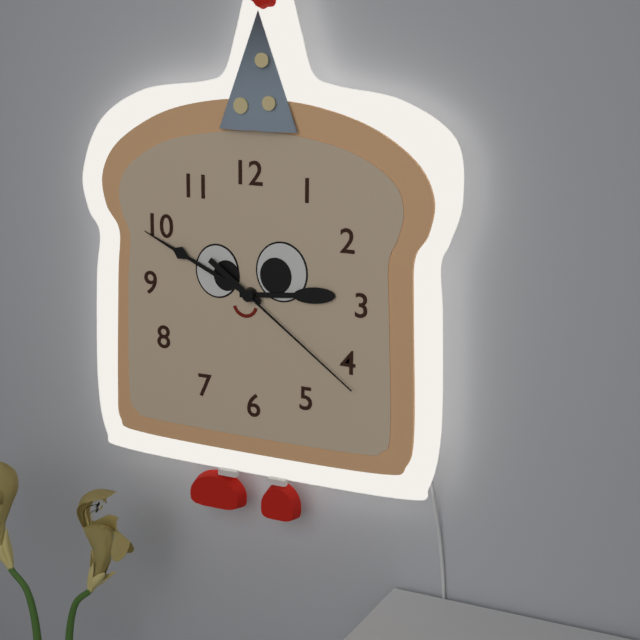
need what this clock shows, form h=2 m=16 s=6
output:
h=2 m=49 s=21
